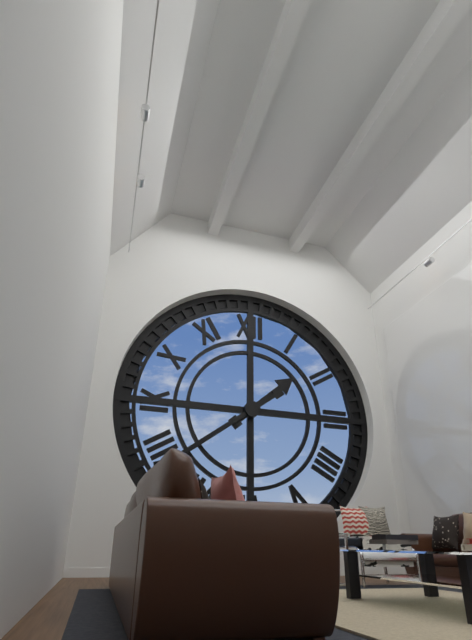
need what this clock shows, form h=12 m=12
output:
h=1 m=39
